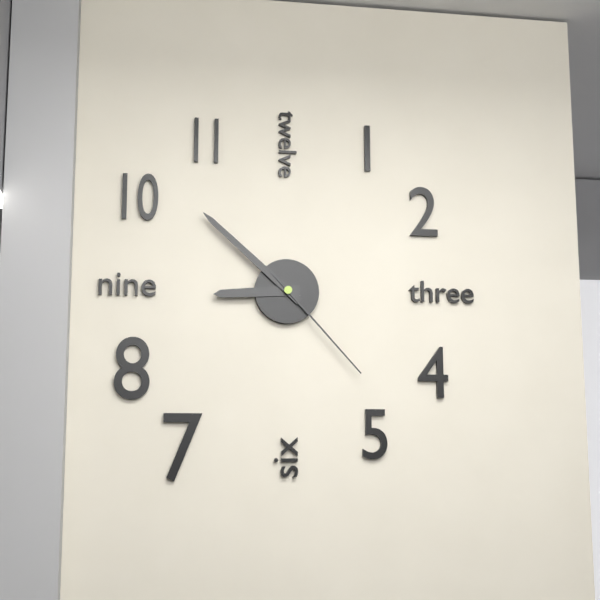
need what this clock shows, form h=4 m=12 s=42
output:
h=8 m=52 s=23
